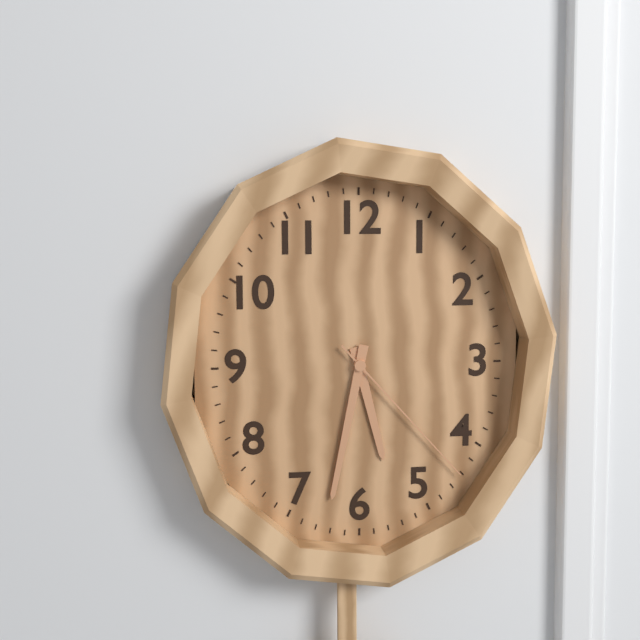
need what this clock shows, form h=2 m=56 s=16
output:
h=5 m=32 s=23
